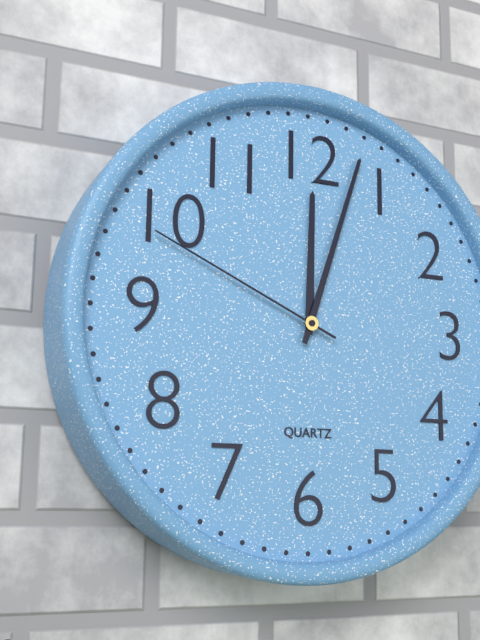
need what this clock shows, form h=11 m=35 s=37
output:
h=12 m=3 s=49
